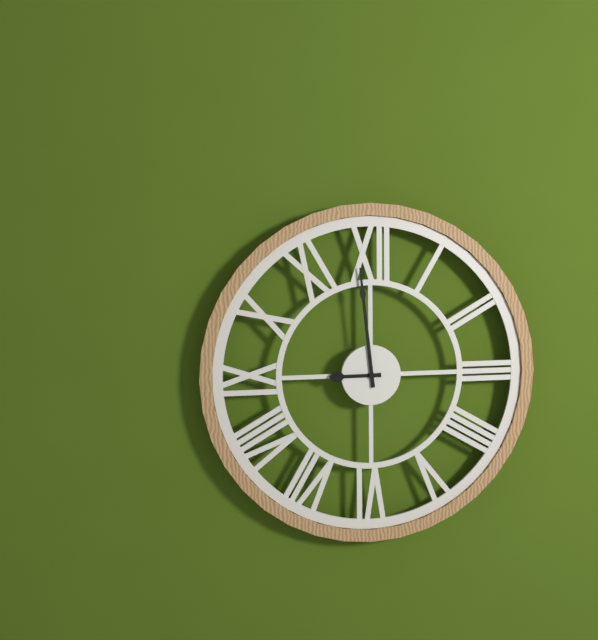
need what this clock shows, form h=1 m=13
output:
h=8 m=59
